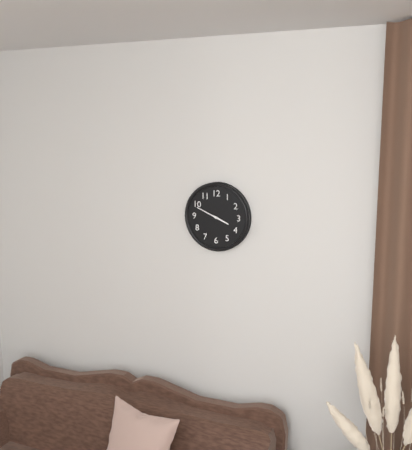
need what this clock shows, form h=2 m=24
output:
h=3 m=49
